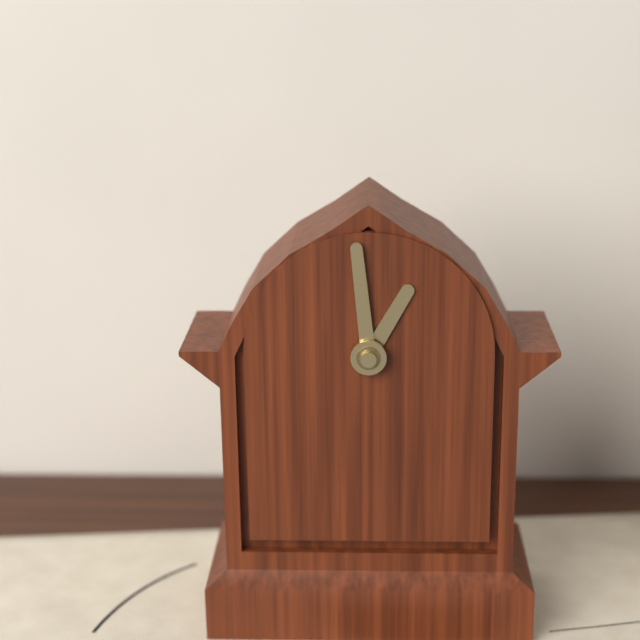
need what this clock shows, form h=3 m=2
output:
h=12 m=59
